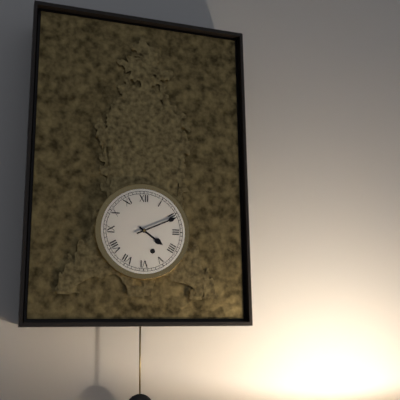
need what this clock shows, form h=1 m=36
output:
h=4 m=11
